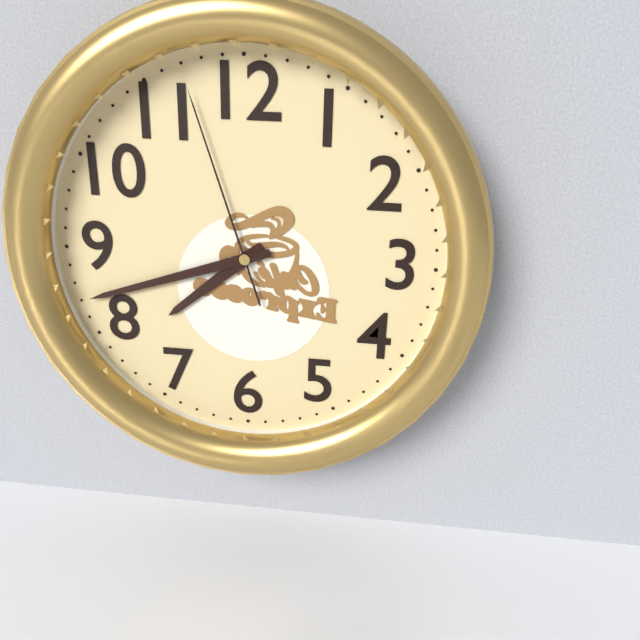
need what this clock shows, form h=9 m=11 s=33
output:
h=7 m=42 s=57
